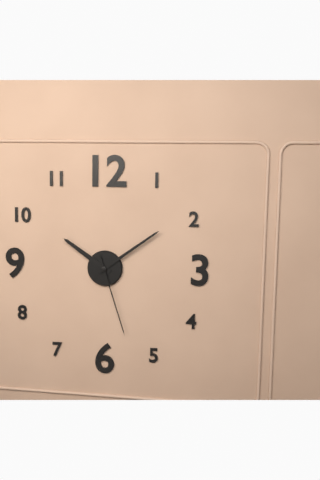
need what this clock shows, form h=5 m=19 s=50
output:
h=10 m=9 s=27
